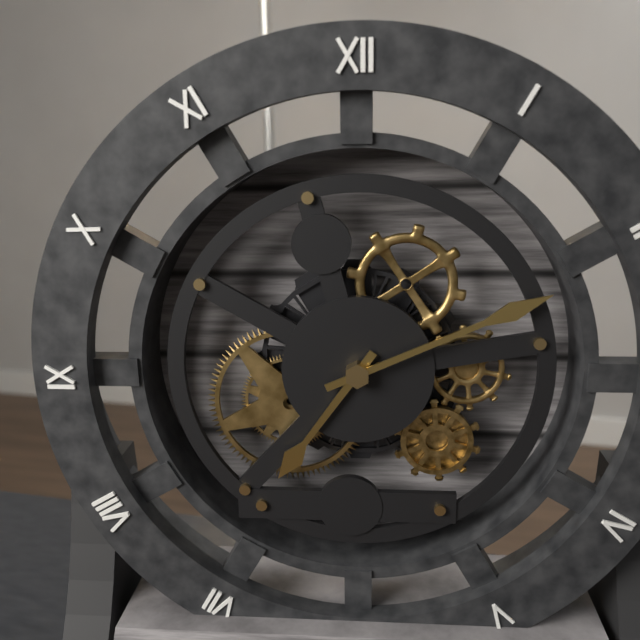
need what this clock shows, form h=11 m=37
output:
h=7 m=11
